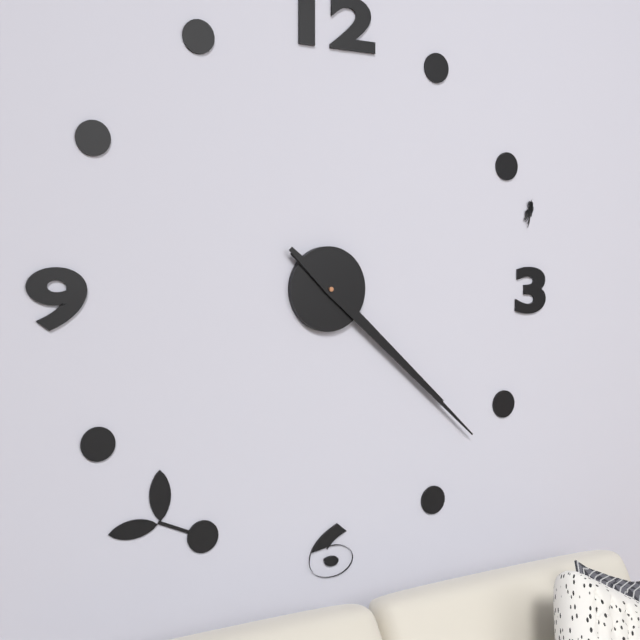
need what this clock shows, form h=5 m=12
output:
h=4 m=22
